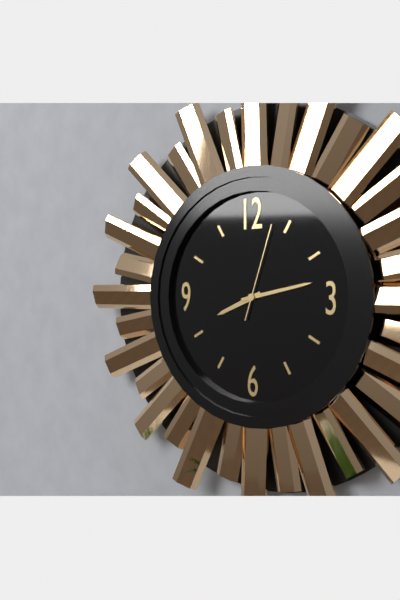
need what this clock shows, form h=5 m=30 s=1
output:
h=8 m=13 s=3
